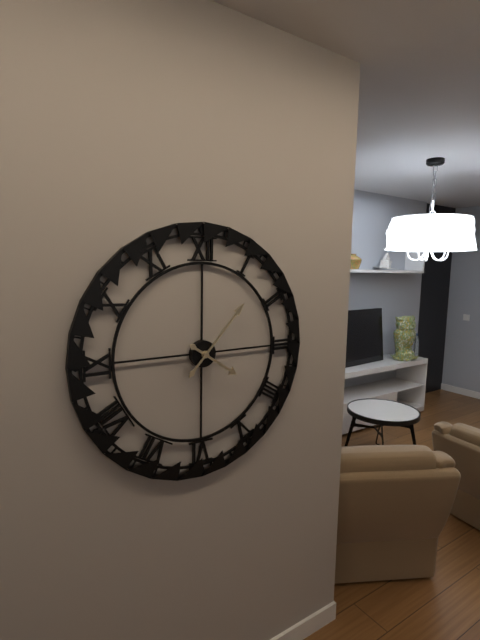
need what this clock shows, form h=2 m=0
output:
h=4 m=7
